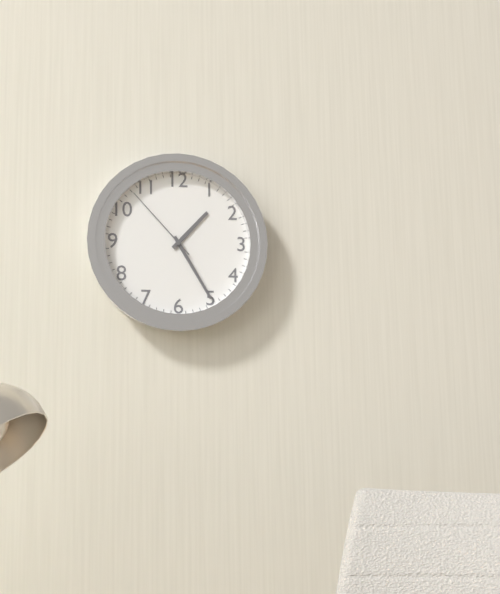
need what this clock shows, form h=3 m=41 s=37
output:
h=1 m=25 s=53
